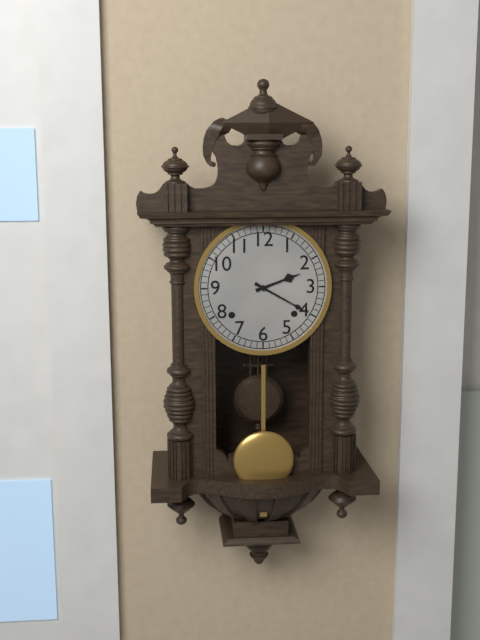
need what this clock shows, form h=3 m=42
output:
h=2 m=20
